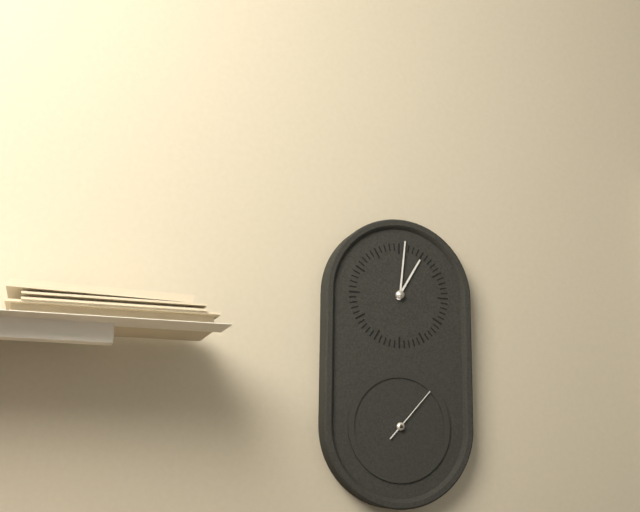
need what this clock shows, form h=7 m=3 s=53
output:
h=1 m=1 s=7
